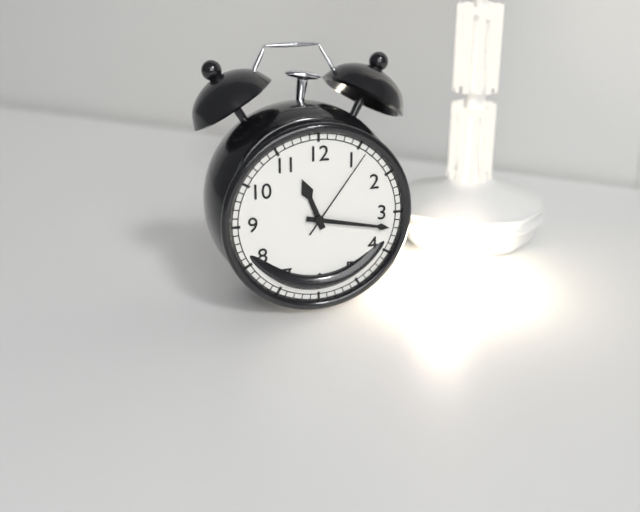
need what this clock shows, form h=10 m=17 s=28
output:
h=11 m=17 s=6
